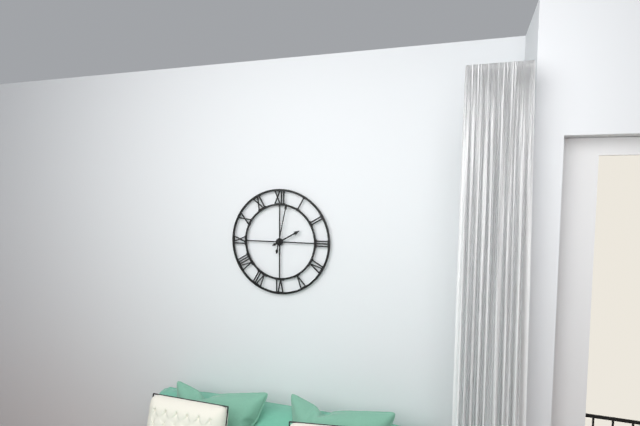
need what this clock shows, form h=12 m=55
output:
h=2 m=2
